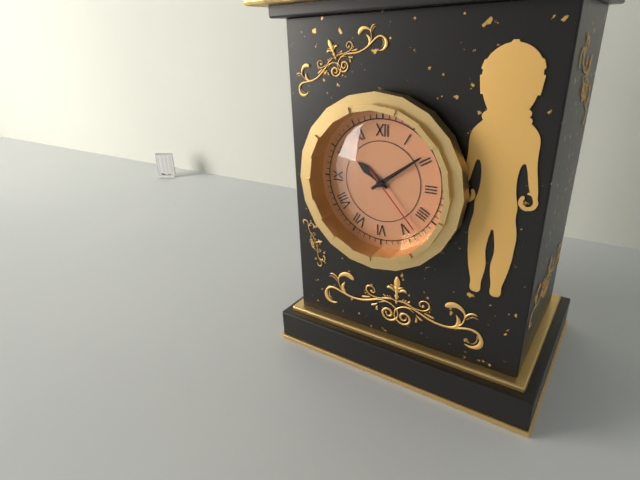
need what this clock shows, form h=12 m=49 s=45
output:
h=10 m=9 s=23
